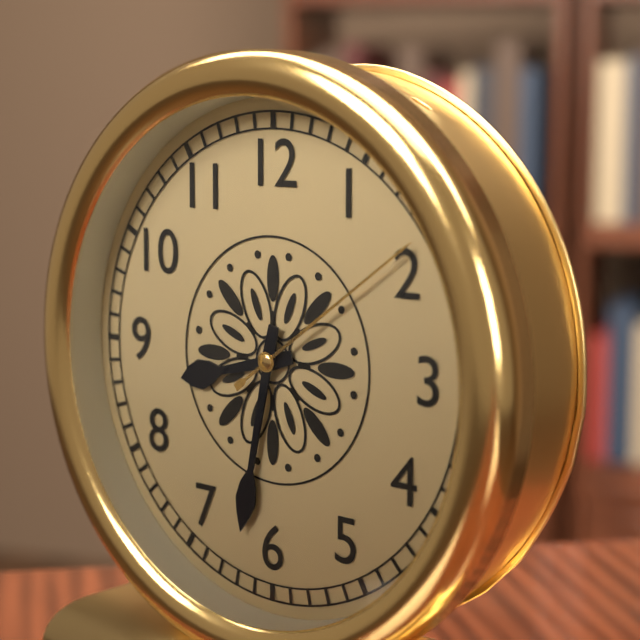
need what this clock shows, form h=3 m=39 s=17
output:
h=8 m=32 s=9
